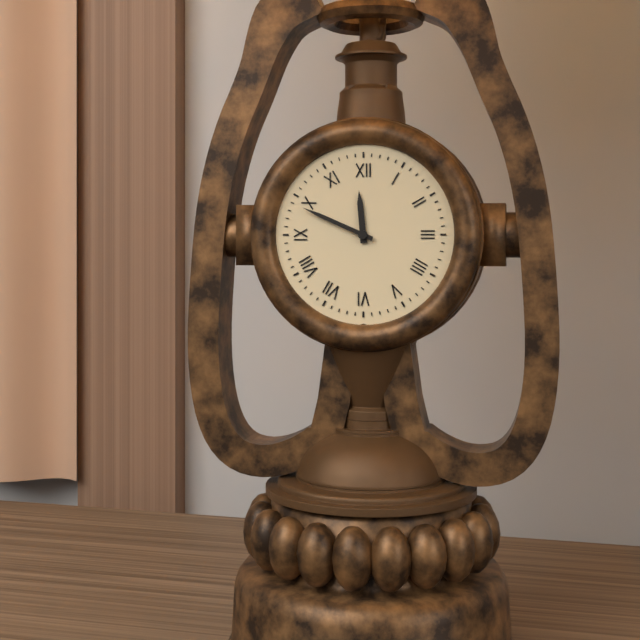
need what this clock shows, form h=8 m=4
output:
h=11 m=49
